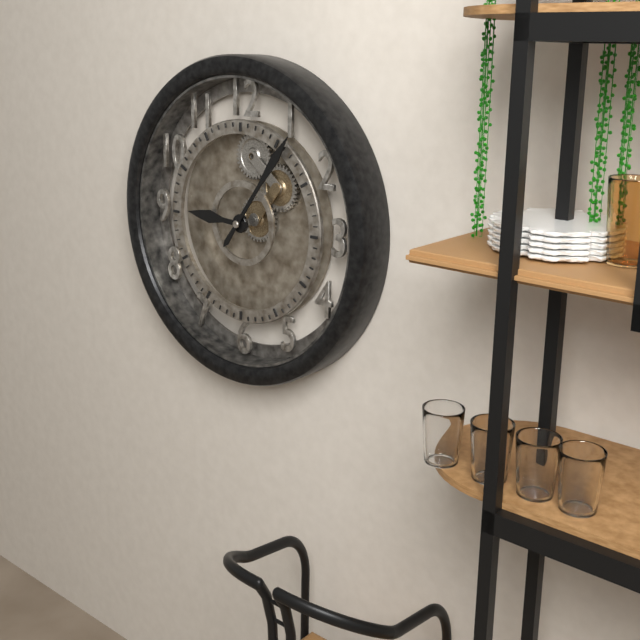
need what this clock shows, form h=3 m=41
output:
h=9 m=6
